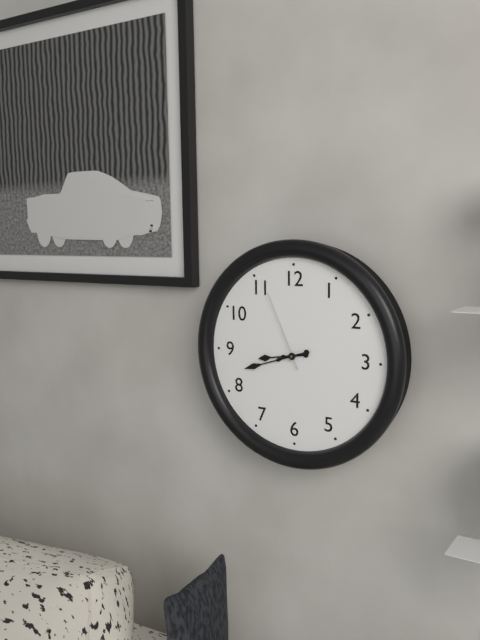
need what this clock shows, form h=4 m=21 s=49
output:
h=8 m=42 s=56
